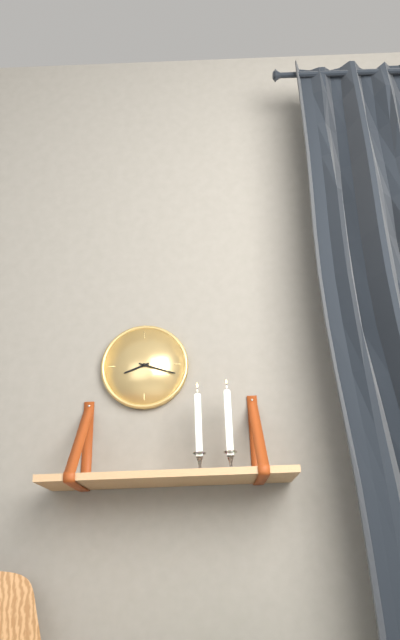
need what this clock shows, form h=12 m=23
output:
h=8 m=18
